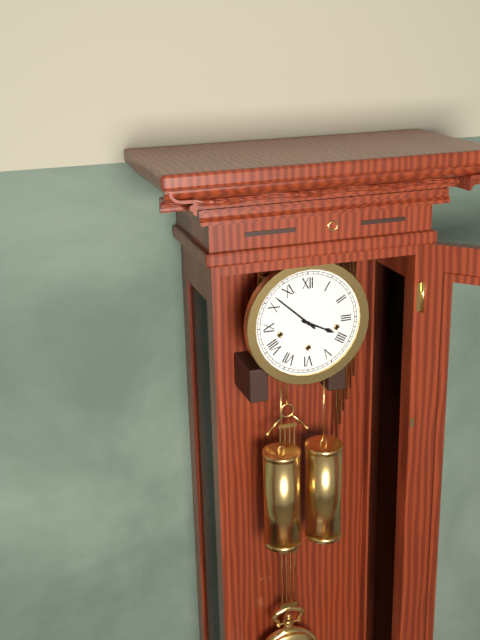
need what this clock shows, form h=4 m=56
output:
h=3 m=52
